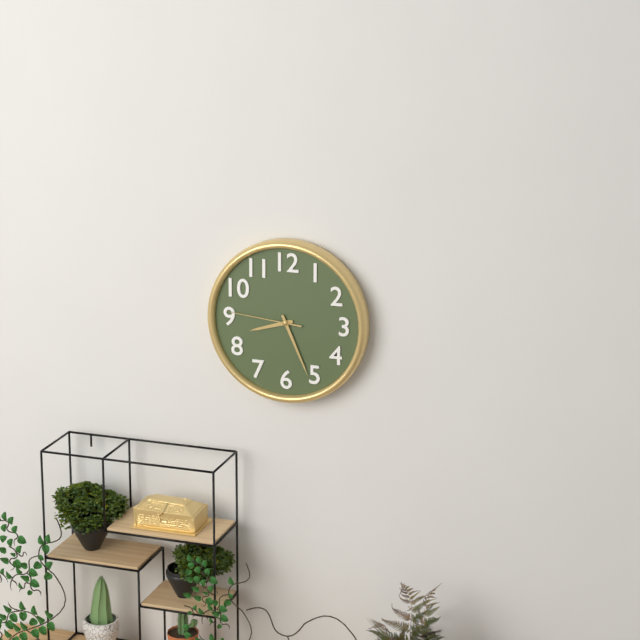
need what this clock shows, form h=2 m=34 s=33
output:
h=8 m=26 s=46
